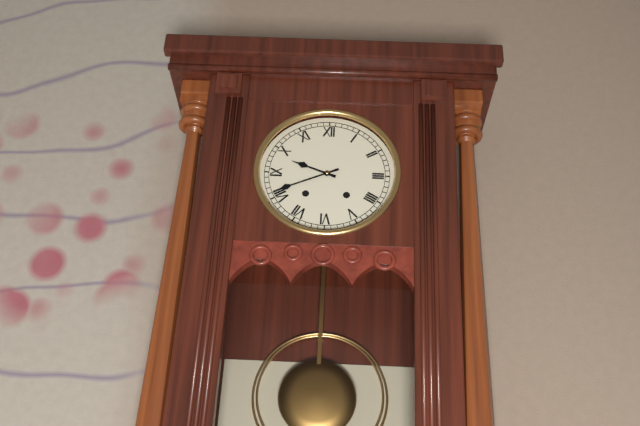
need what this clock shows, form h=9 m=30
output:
h=9 m=41
